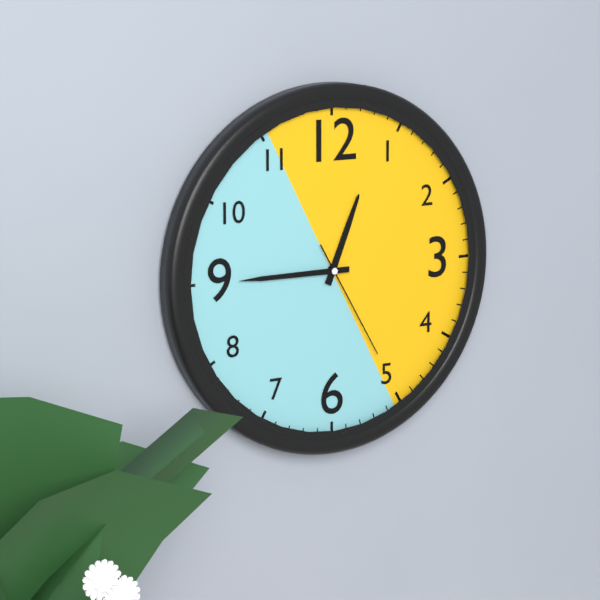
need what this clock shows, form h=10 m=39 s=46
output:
h=12 m=45 s=25
